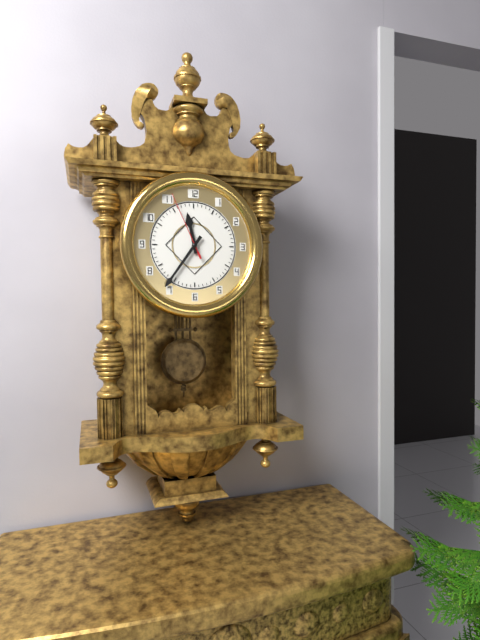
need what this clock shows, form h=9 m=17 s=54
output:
h=11 m=36 s=56
